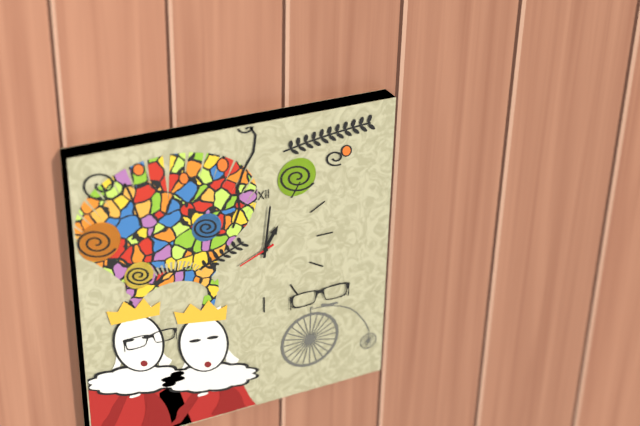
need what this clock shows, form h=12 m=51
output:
h=1 m=1
